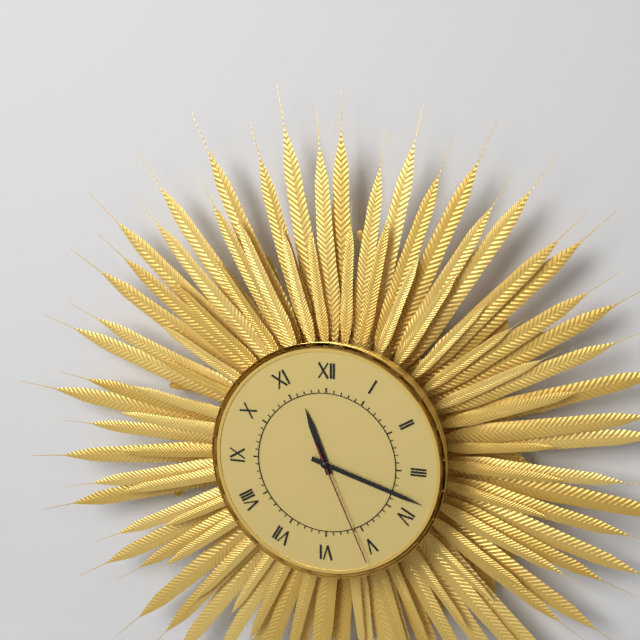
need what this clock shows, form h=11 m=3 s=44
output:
h=11 m=18 s=26
